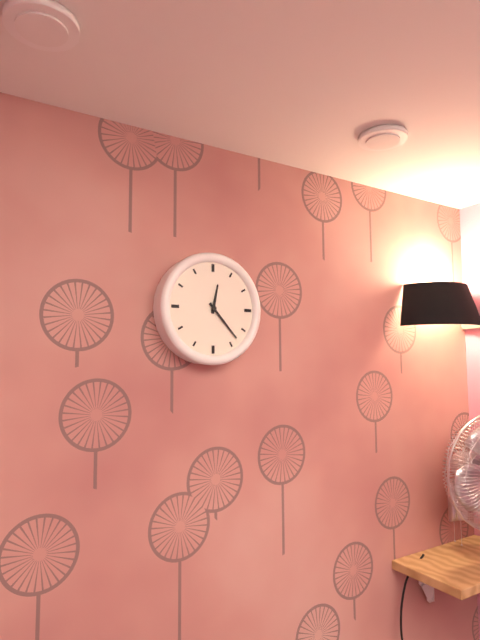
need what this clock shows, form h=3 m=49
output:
h=12 m=23
